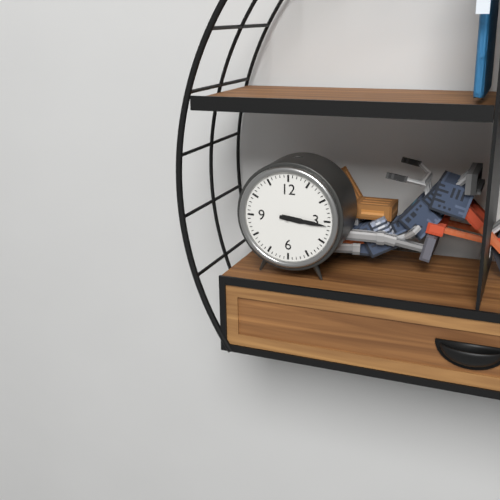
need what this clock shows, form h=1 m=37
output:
h=3 m=16
